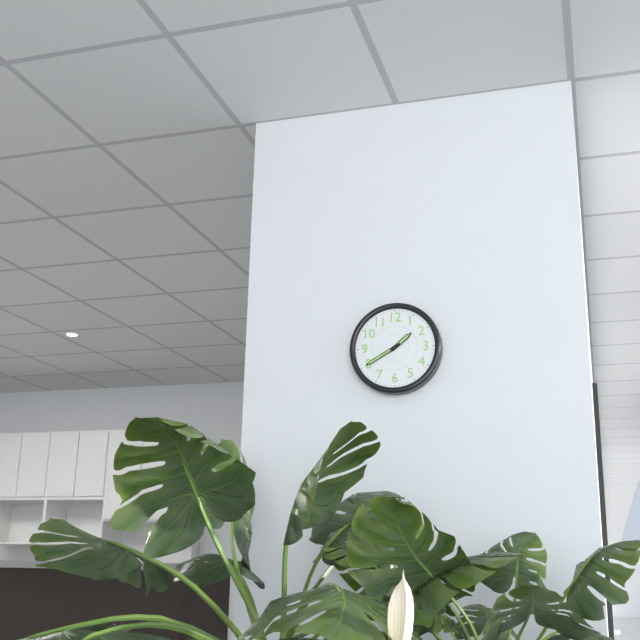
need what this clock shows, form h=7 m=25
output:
h=1 m=40
